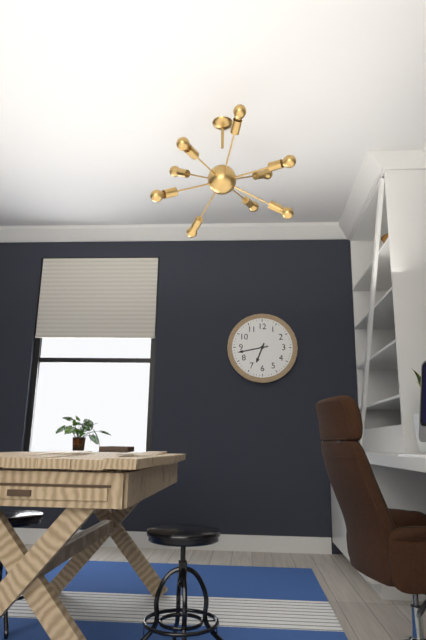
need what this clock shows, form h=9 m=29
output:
h=6 m=43
